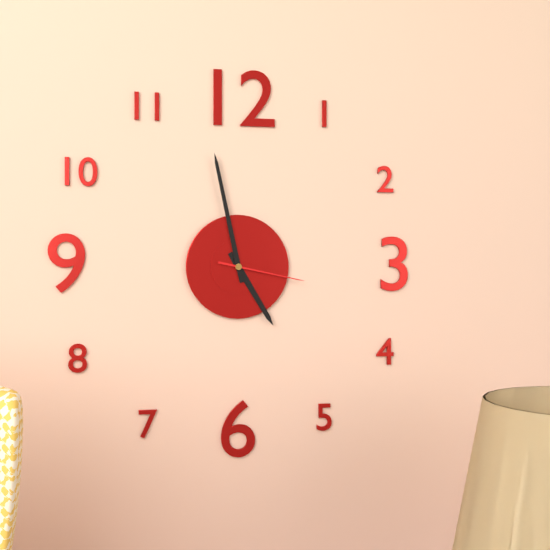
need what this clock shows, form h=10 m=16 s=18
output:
h=4 m=58 s=17
